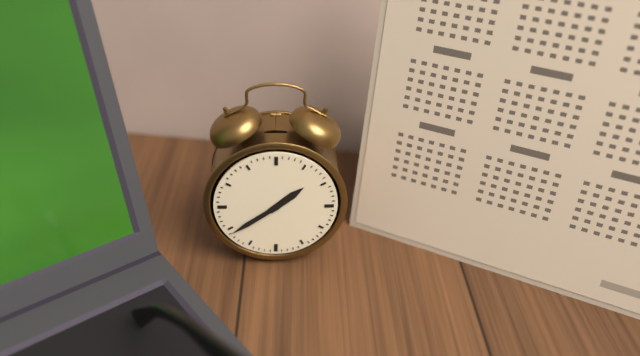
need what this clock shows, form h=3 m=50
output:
h=1 m=39
